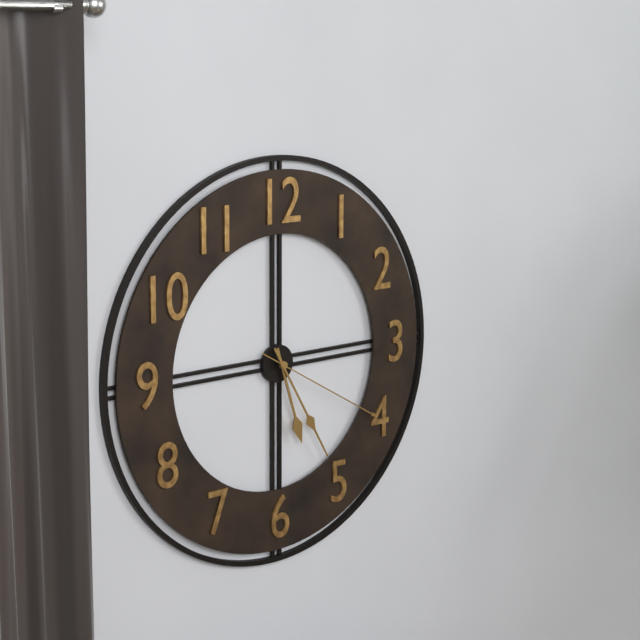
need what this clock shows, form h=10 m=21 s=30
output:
h=5 m=25 s=20
